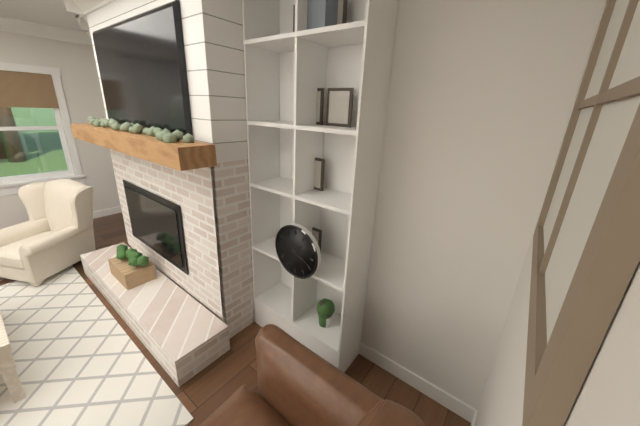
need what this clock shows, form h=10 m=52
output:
h=1 m=19
